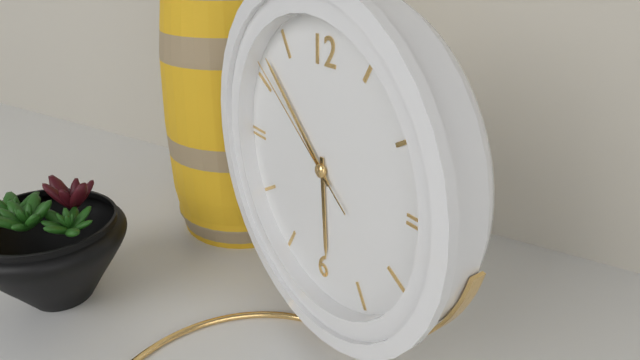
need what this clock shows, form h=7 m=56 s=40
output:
h=5 m=52 s=51
